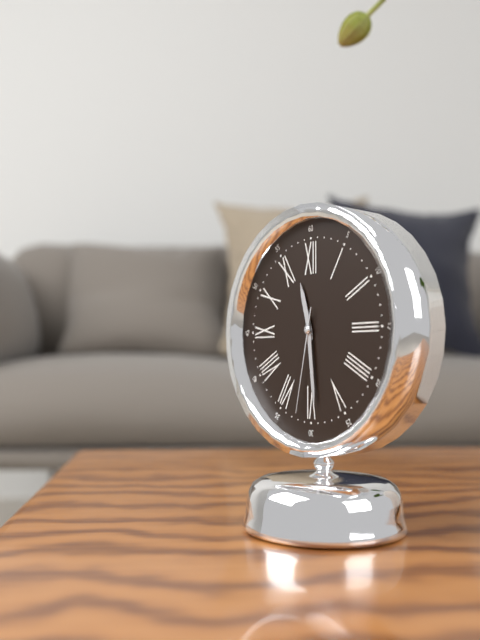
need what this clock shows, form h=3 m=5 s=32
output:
h=11 m=29 s=32
